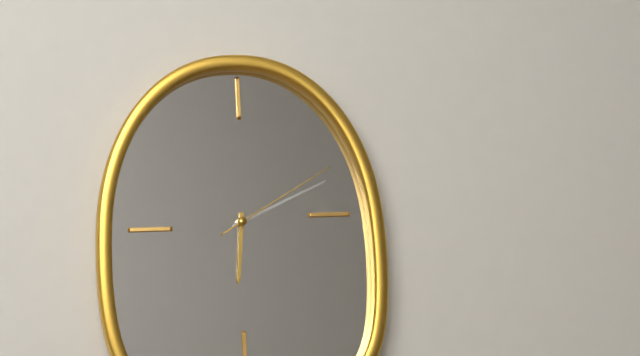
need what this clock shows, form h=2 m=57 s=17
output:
h=6 m=11 s=10
